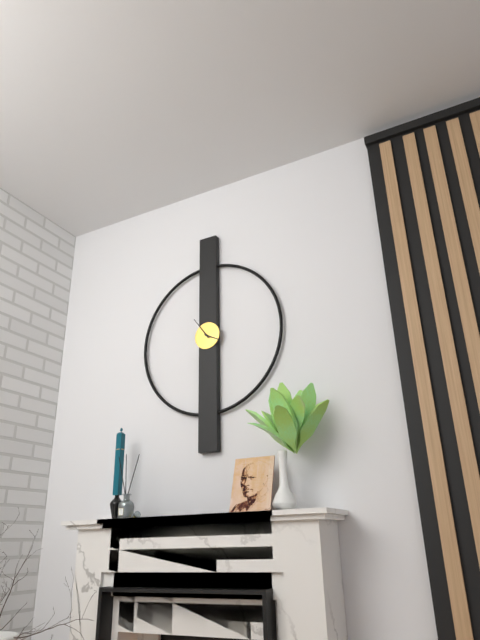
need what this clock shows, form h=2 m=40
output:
h=3 m=54
